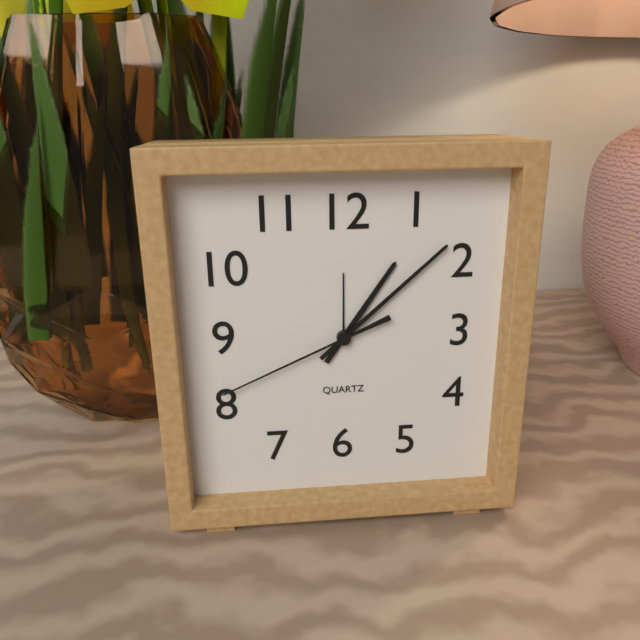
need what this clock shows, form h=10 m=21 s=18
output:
h=1 m=8 s=41
